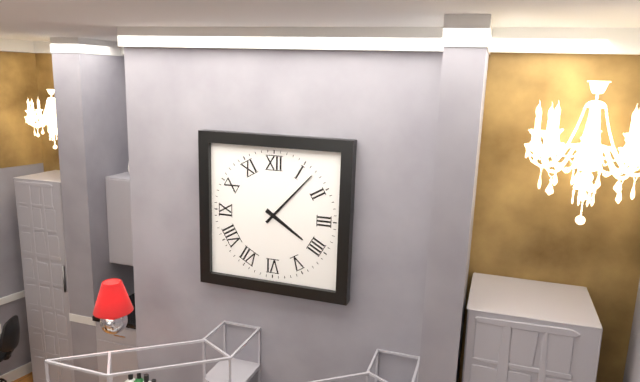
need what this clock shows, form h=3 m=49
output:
h=4 m=7
